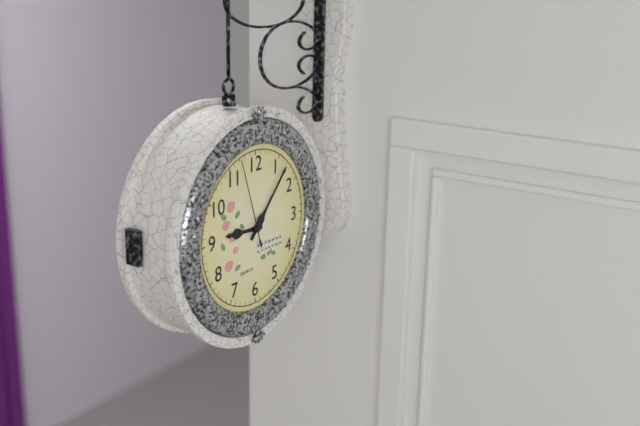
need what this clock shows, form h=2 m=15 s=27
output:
h=9 m=7 s=57
